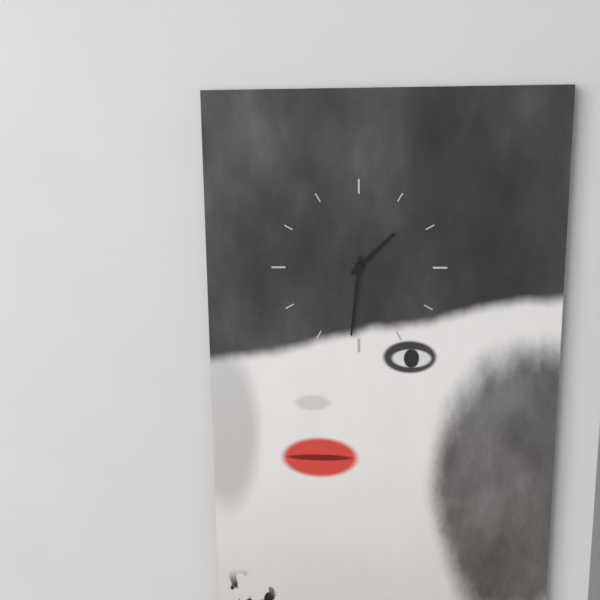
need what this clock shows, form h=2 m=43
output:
h=1 m=31
